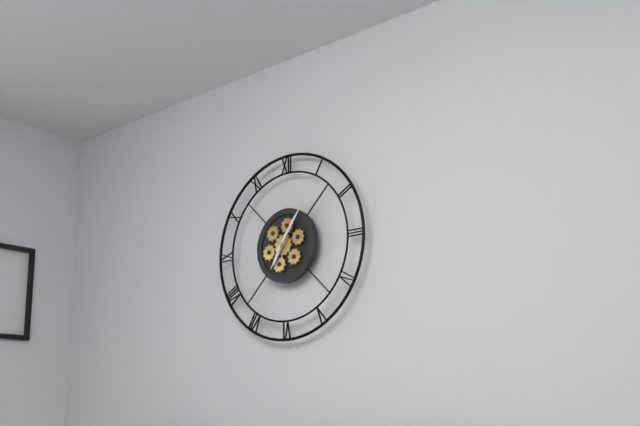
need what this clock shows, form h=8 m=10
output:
h=7 m=6
